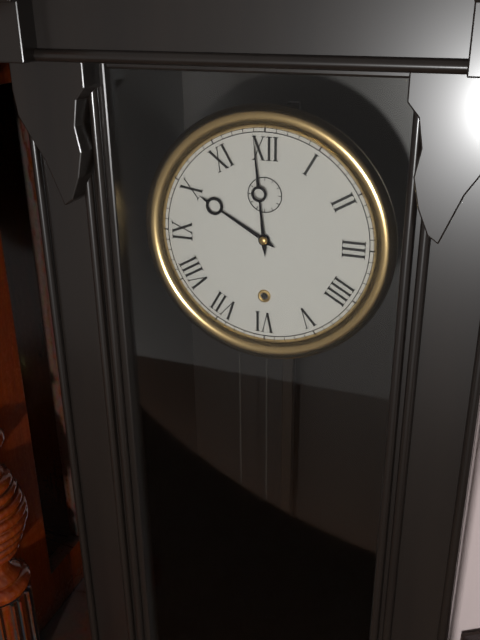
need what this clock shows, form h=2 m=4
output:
h=9 m=59
